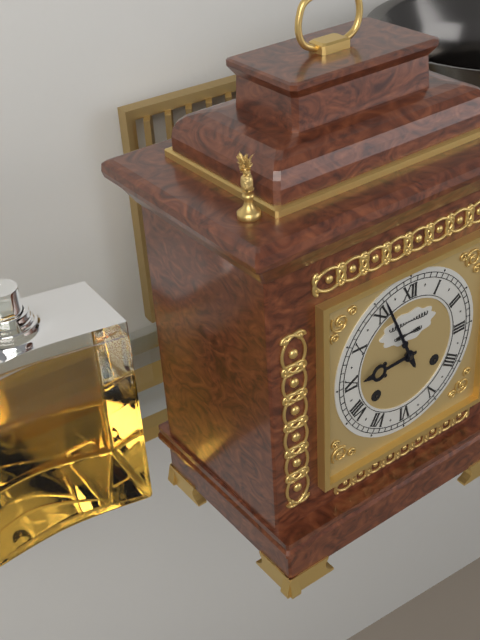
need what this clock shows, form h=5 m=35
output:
h=8 m=56
